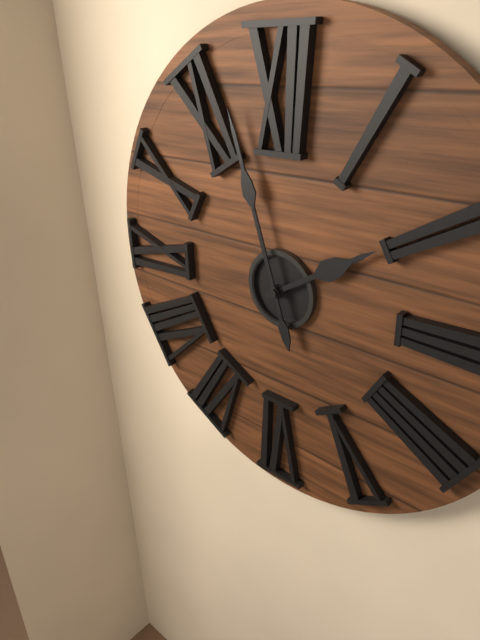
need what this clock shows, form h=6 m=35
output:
h=1 m=57
